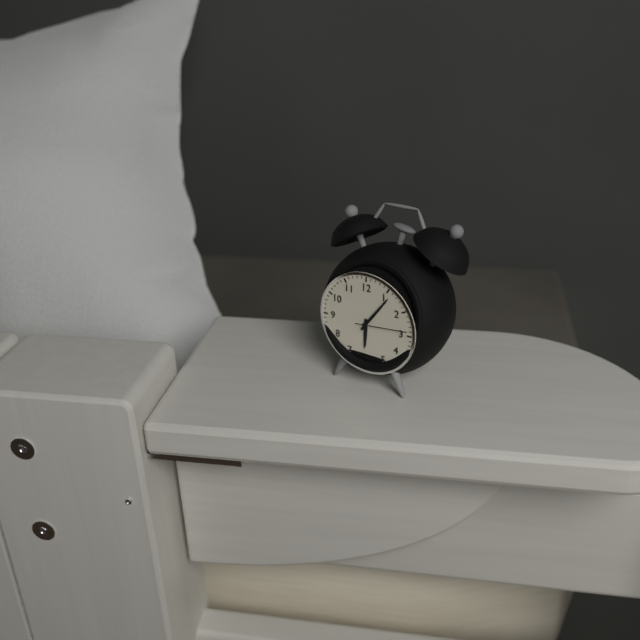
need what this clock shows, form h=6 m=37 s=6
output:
h=6 m=6 s=14
